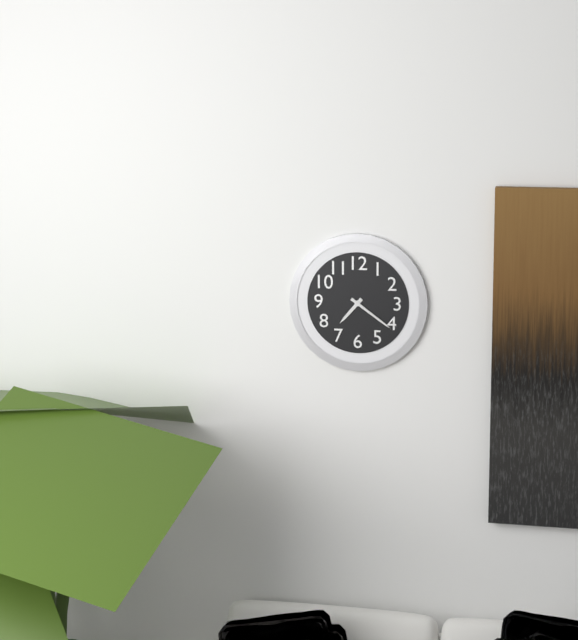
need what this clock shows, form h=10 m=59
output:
h=7 m=21
